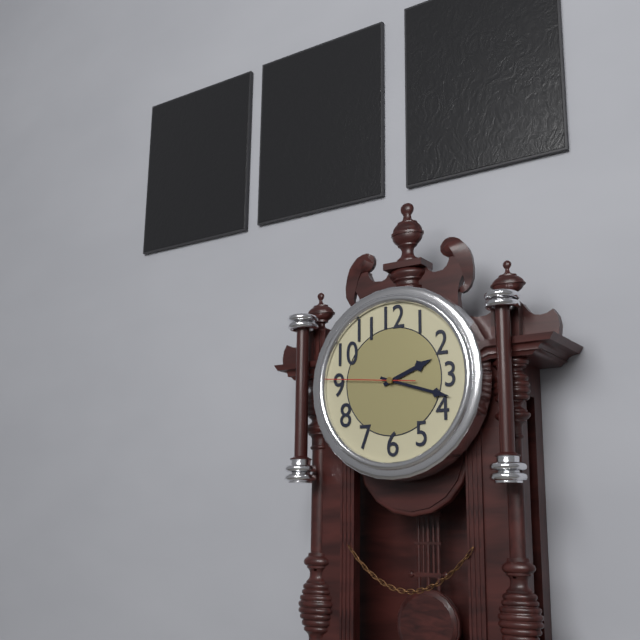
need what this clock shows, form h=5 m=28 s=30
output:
h=2 m=18 s=46
